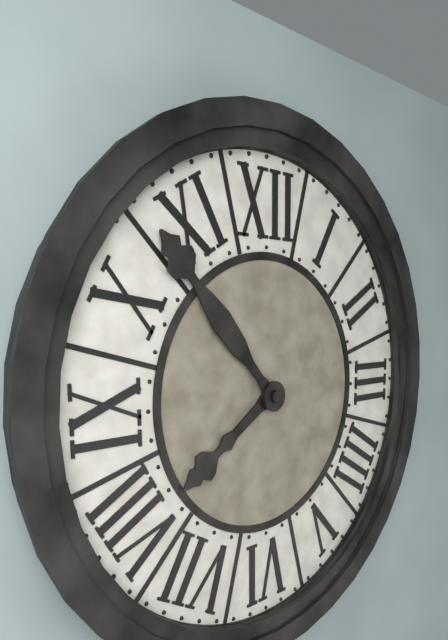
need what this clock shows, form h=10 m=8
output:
h=7 m=53
